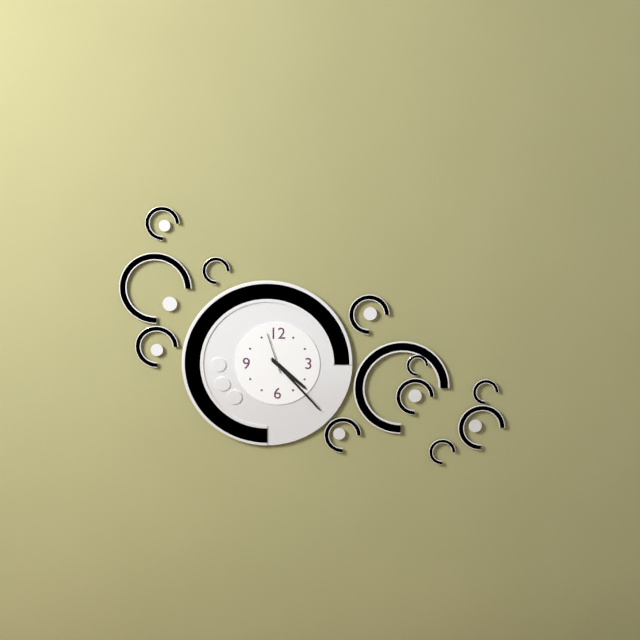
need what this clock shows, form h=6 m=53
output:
h=4 m=23
